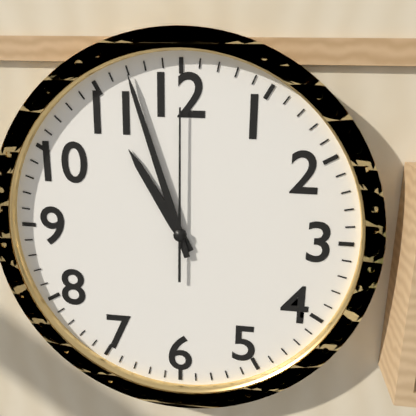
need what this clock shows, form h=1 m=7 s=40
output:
h=10 m=57 s=0
